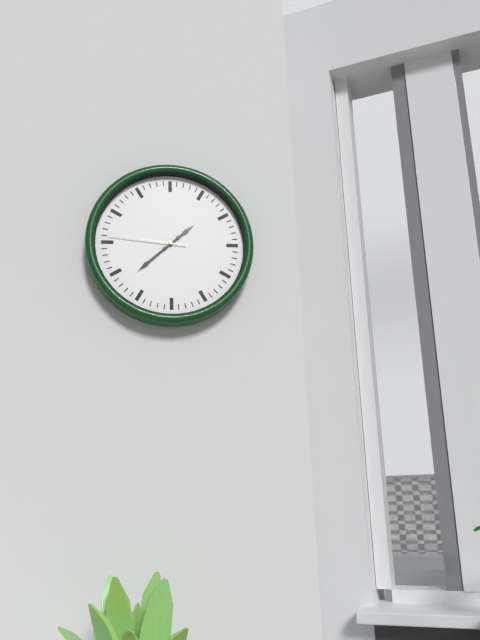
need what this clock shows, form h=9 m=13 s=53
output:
h=1 m=38 s=46
